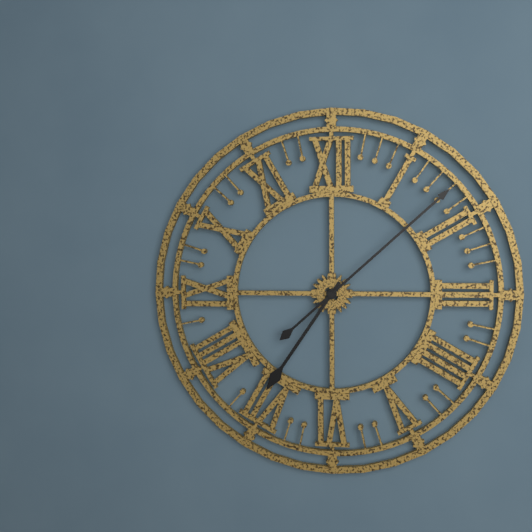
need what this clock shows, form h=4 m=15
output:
h=7 m=8
